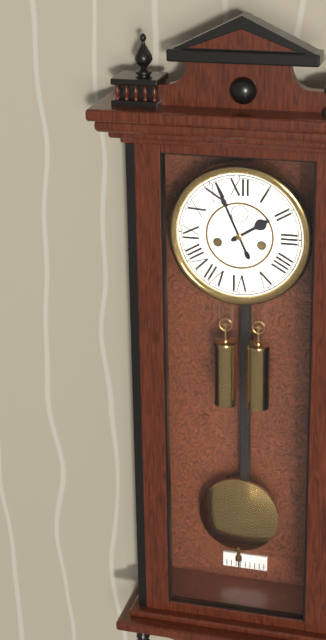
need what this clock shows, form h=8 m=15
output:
h=1 m=56
